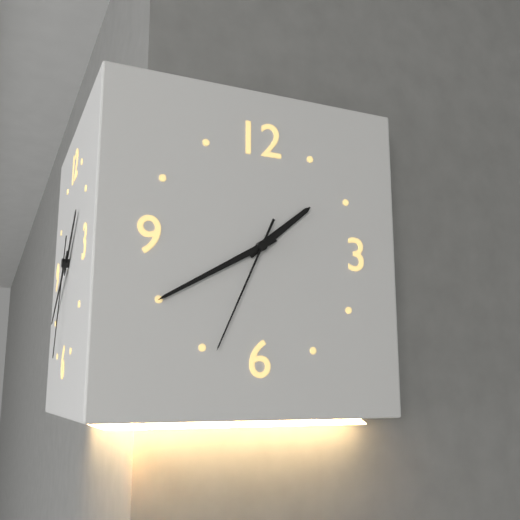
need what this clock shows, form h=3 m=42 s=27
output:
h=1 m=40 s=34
